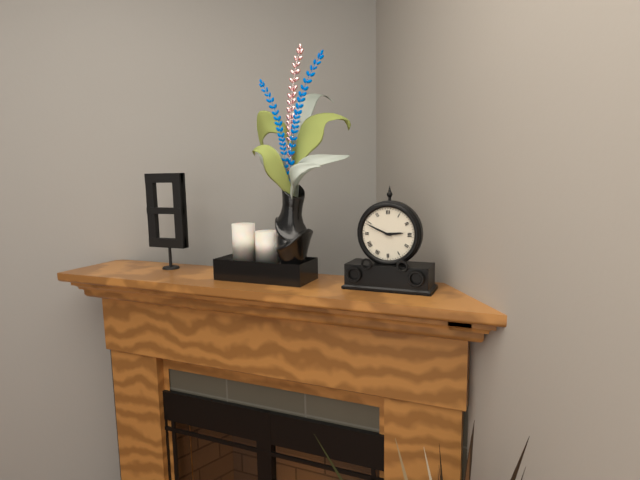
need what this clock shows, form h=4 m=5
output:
h=2 m=49
